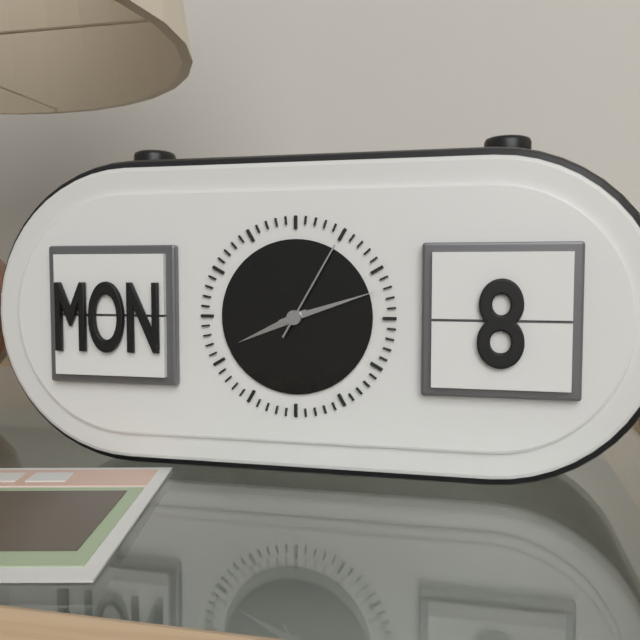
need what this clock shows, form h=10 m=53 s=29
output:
h=8 m=12 s=5
